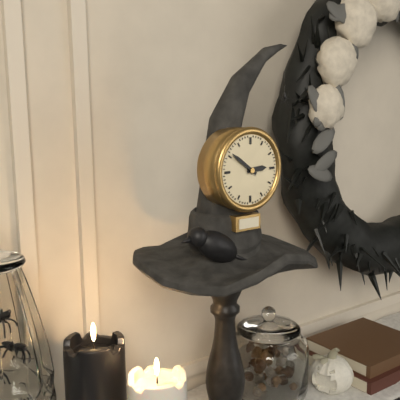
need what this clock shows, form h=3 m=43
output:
h=2 m=51
